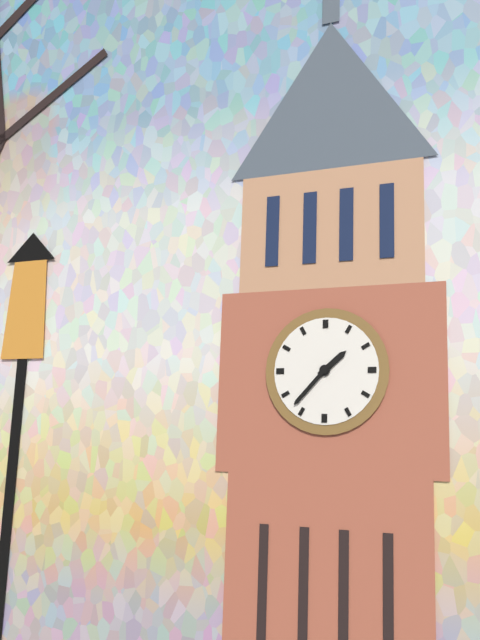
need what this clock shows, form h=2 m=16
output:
h=1 m=37
